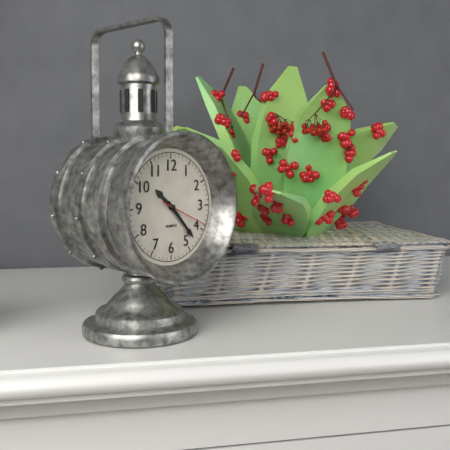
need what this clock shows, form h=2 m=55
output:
h=10 m=23
